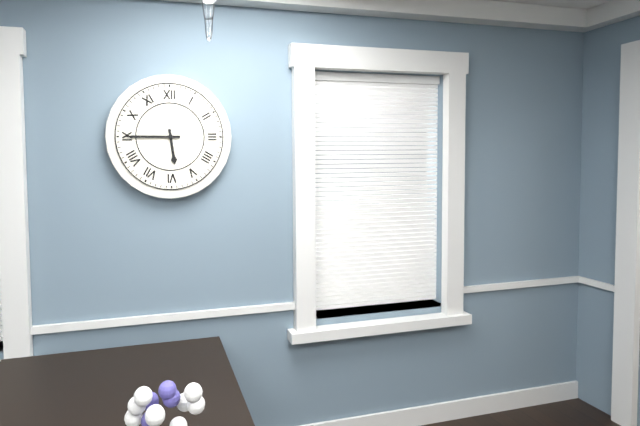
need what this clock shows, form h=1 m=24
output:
h=5 m=45
